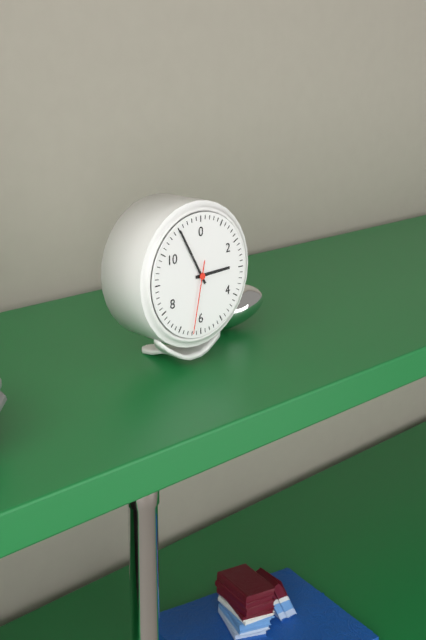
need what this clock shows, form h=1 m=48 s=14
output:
h=2 m=55 s=32
